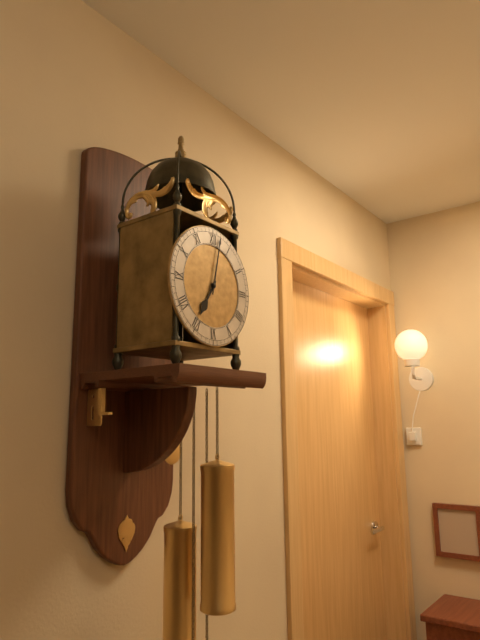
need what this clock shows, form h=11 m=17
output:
h=7 m=2
